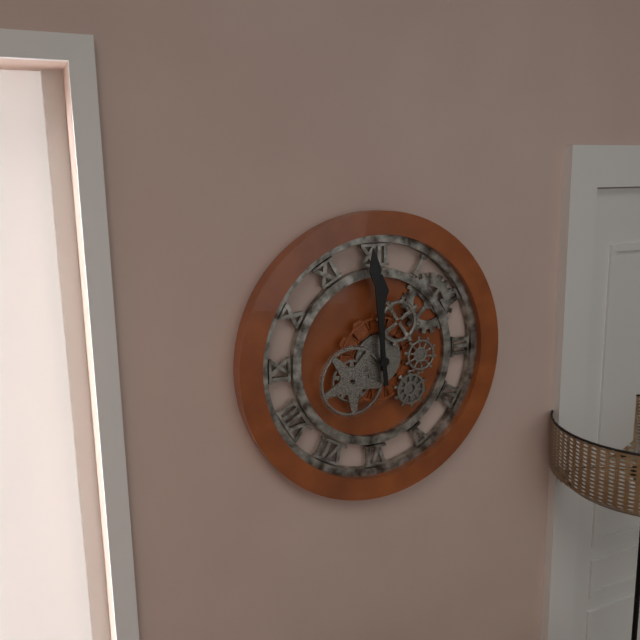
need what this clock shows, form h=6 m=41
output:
h=11 m=59
